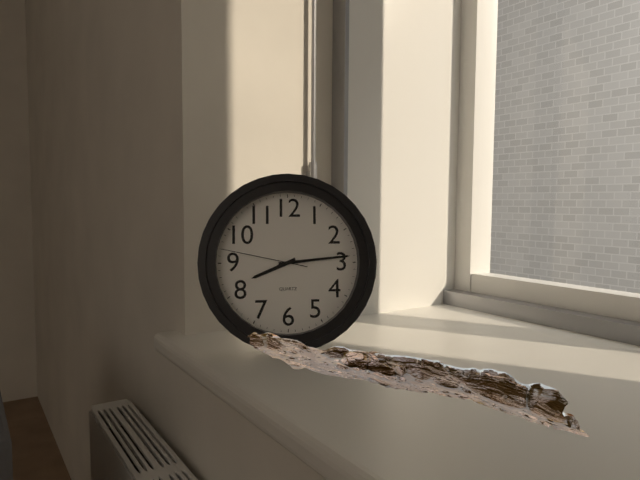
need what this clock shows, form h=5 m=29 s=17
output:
h=8 m=14 s=47
